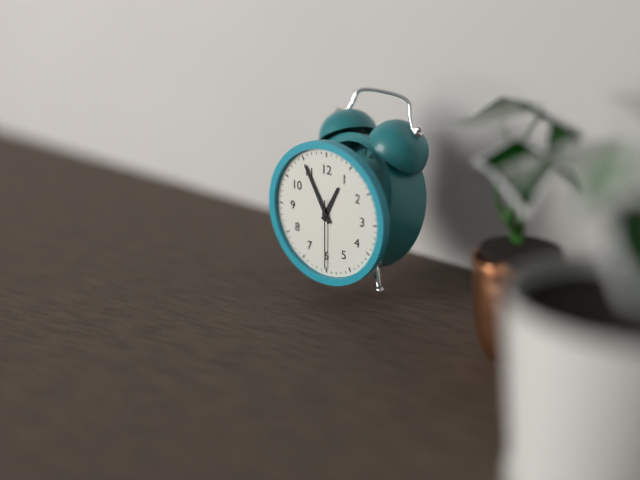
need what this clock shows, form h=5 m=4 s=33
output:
h=12 m=55 s=30
